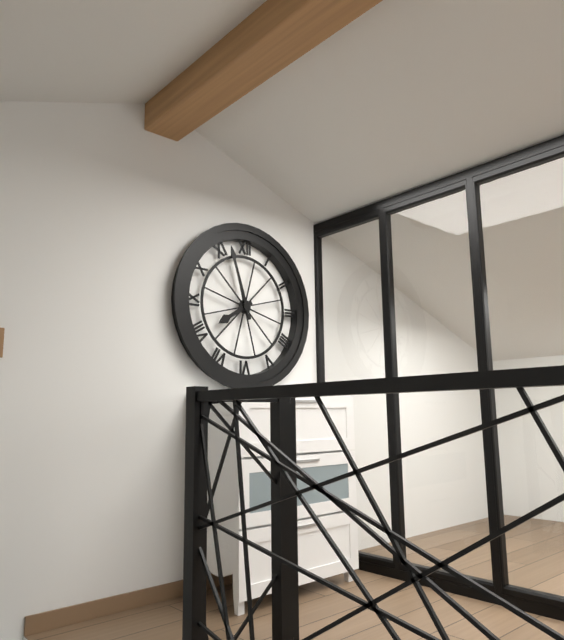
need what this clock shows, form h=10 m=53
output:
h=7 m=57
